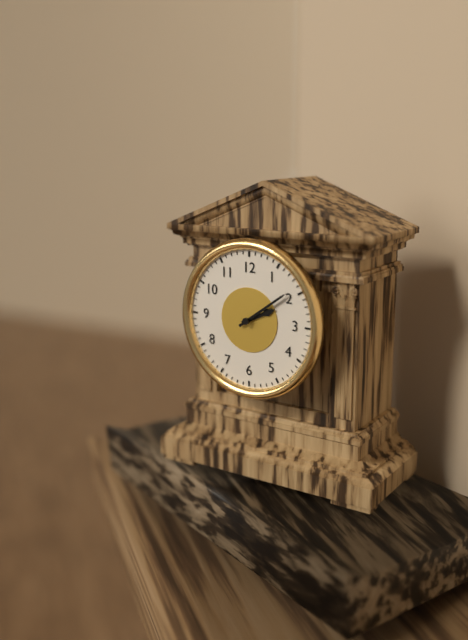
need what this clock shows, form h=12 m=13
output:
h=2 m=9
